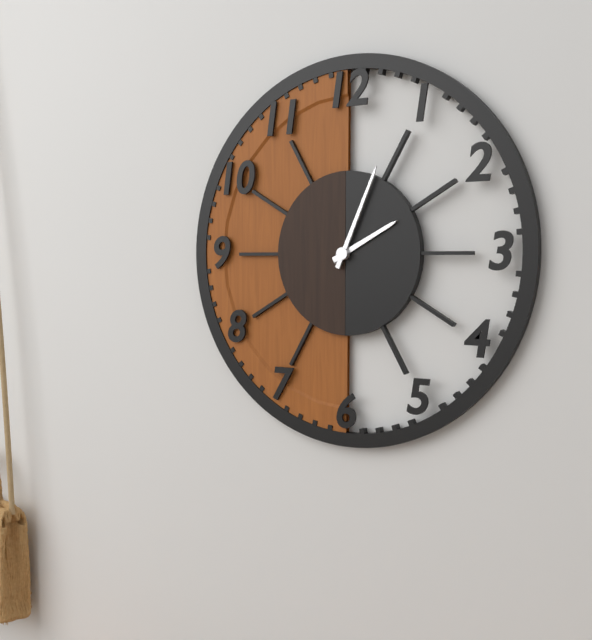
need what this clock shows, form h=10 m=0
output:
h=2 m=4
